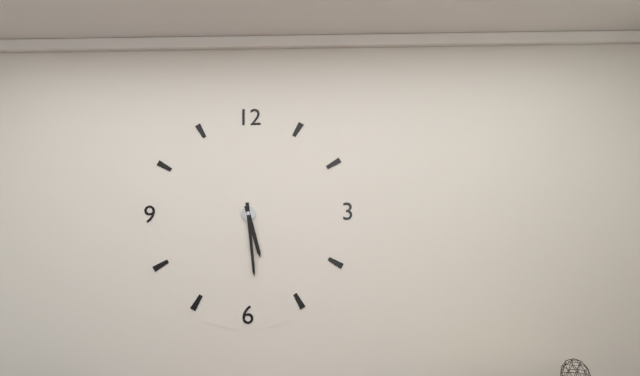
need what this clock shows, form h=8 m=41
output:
h=5 m=29
